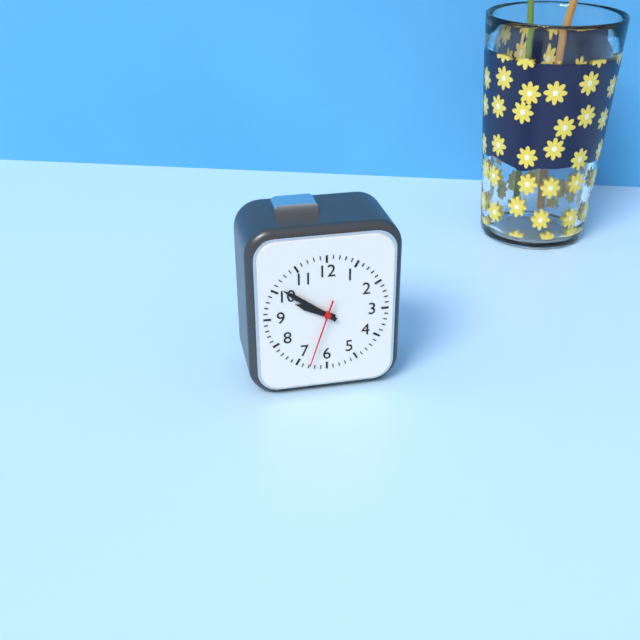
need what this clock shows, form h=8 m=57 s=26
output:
h=9 m=51 s=33
